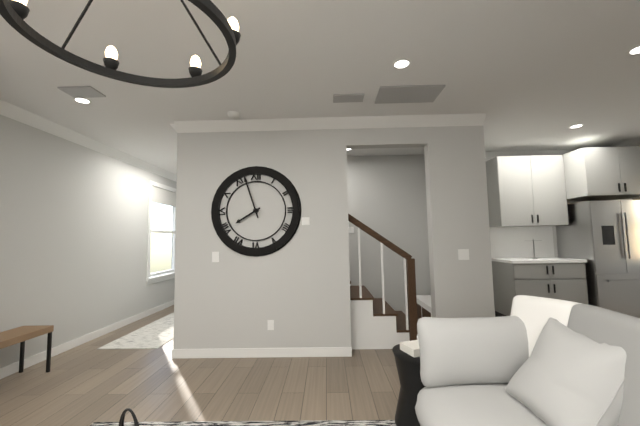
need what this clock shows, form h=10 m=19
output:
h=7 m=57
